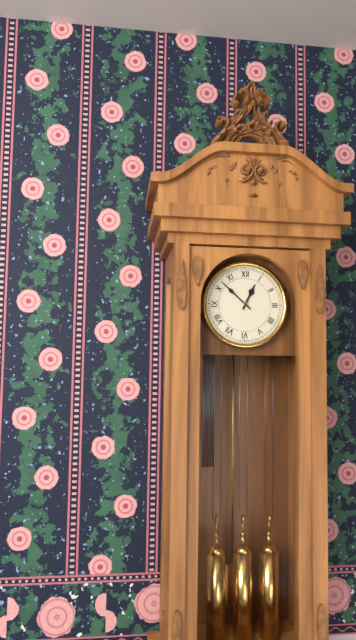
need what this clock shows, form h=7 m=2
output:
h=12 m=52
